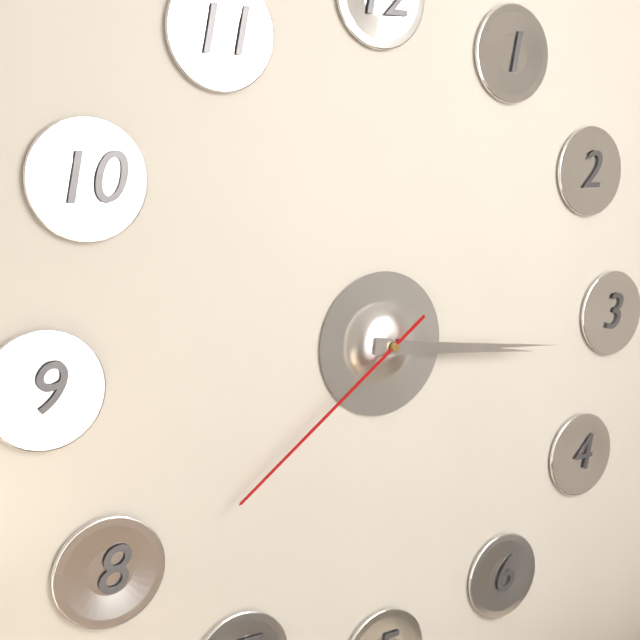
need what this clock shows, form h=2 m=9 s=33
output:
h=3 m=16 s=39
